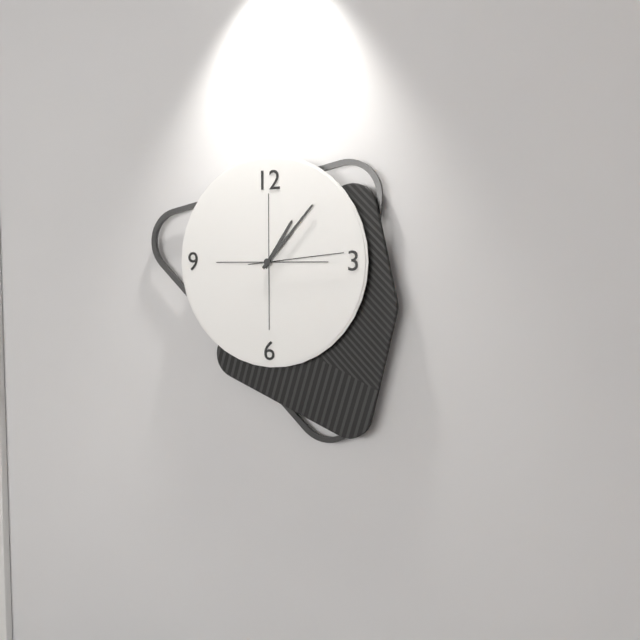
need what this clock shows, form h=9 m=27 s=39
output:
h=1 m=7 s=14
